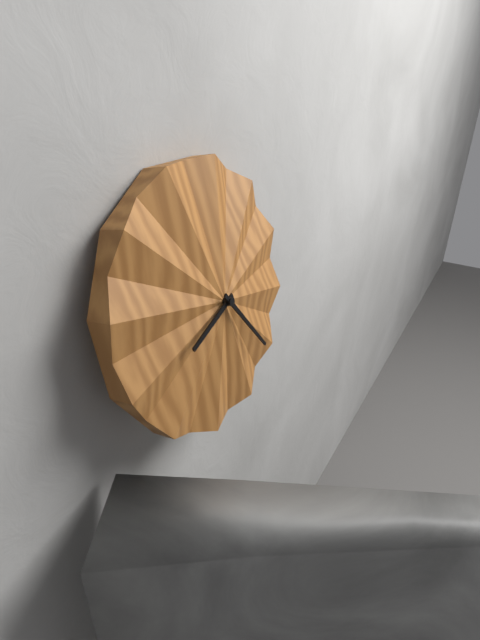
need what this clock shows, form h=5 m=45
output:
h=8 m=24
